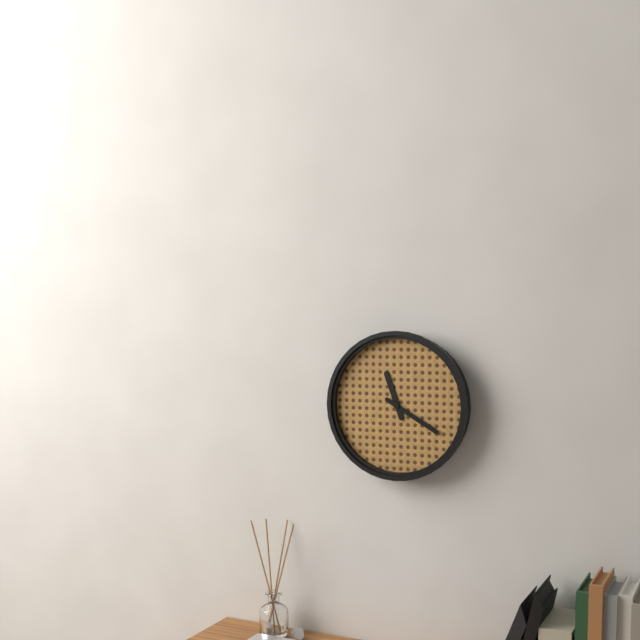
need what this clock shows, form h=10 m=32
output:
h=11 m=20
